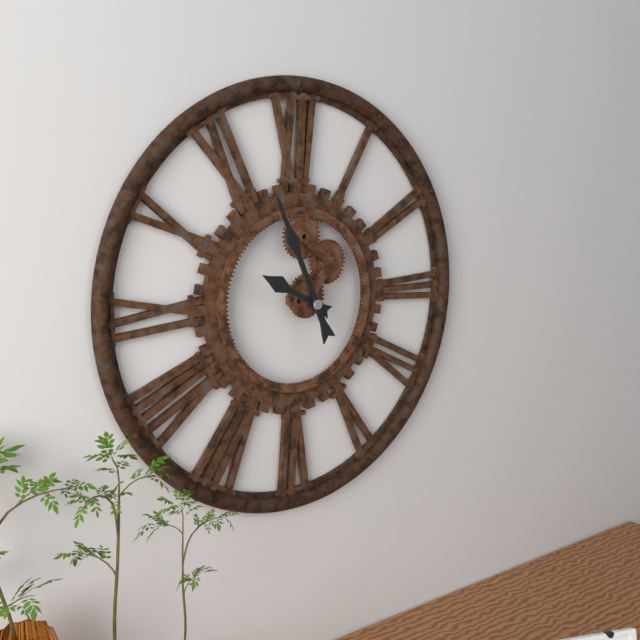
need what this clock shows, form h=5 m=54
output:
h=9 m=56
